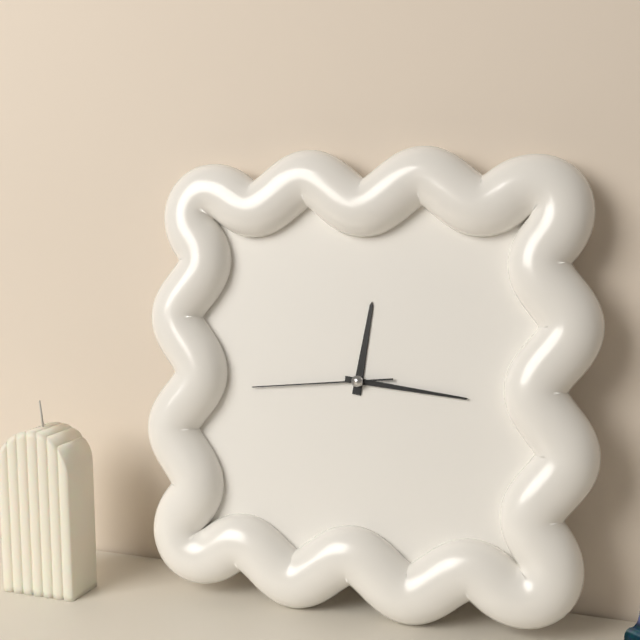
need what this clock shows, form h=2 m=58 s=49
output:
h=12 m=16 s=44
